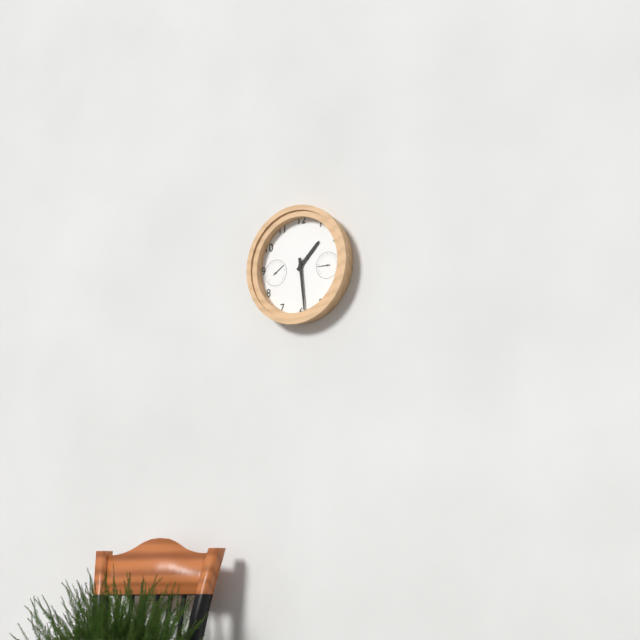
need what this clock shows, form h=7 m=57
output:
h=1 m=29
